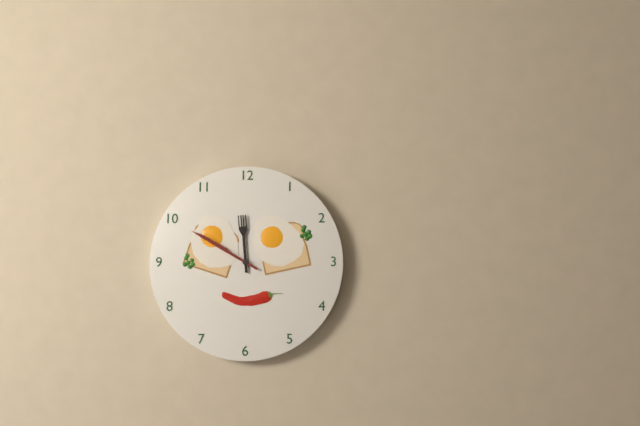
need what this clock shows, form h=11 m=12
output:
h=11 m=50
